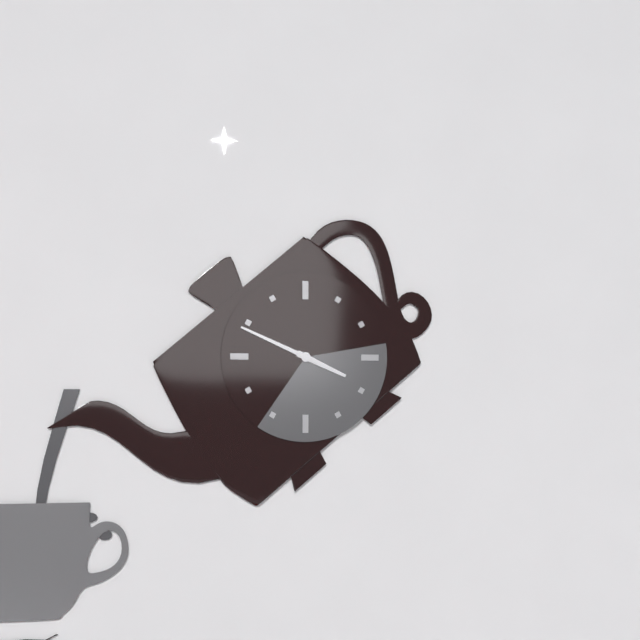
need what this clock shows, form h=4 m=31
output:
h=3 m=49
